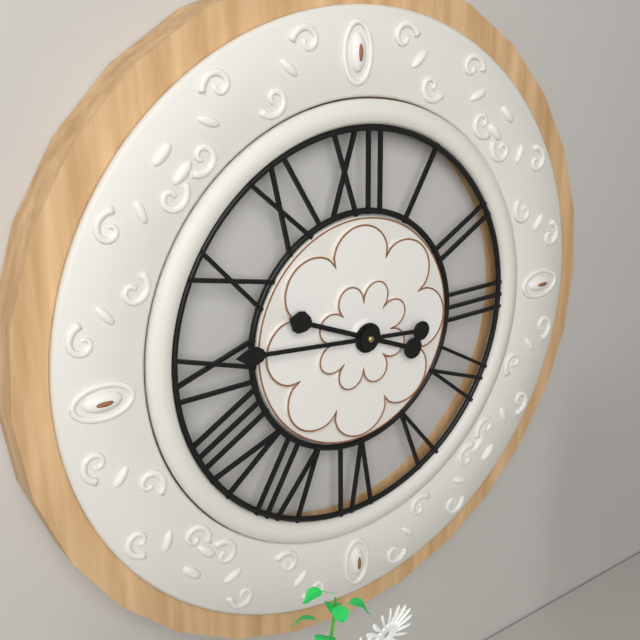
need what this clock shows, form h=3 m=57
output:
h=9 m=46
